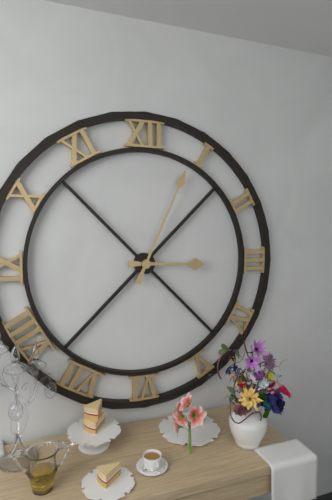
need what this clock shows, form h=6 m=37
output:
h=3 m=4
